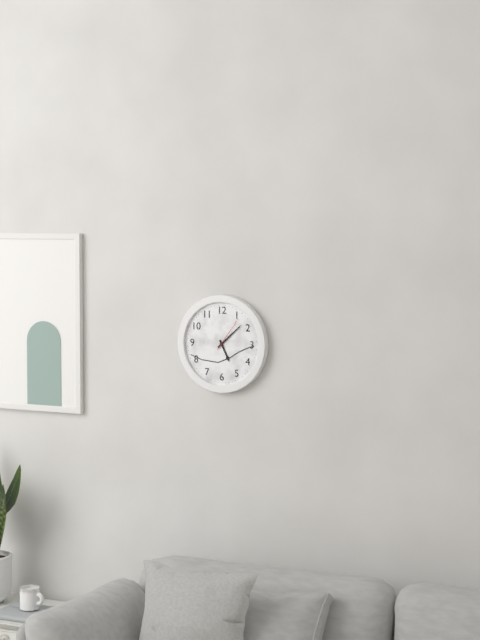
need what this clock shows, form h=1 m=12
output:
h=5 m=8
